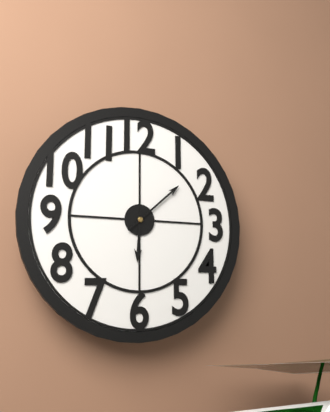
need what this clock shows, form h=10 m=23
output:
h=6 m=8
